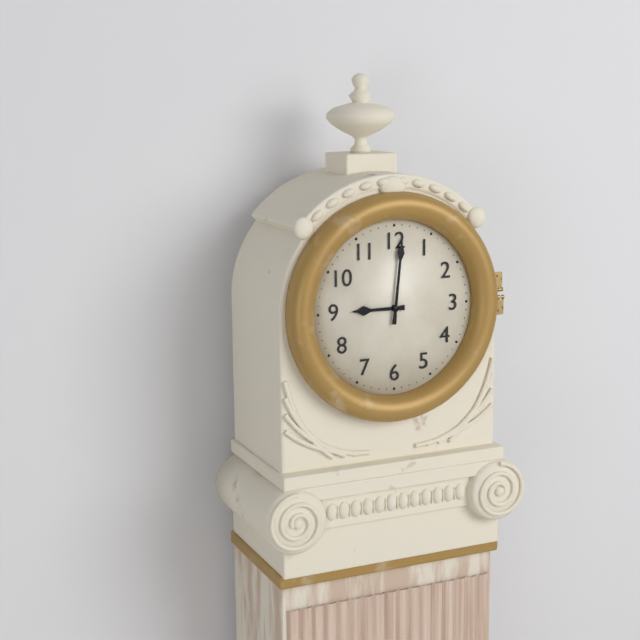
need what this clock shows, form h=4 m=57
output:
h=9 m=1
